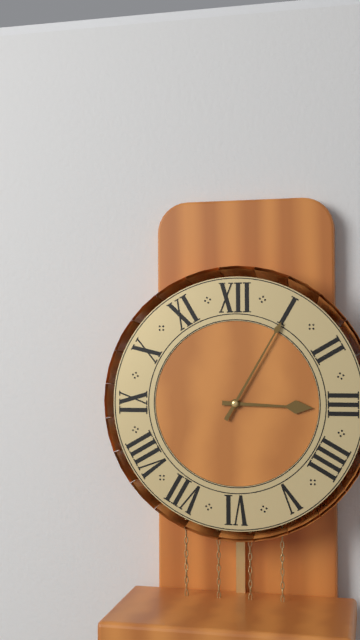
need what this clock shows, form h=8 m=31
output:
h=3 m=5
